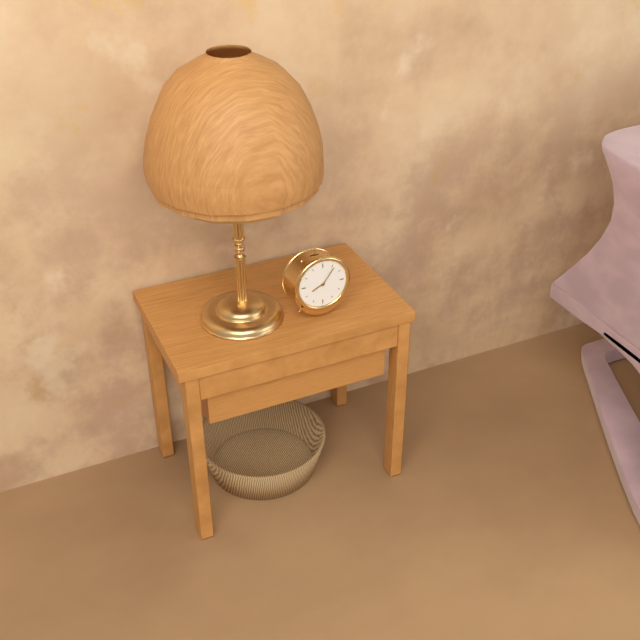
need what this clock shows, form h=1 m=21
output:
h=8 m=6
